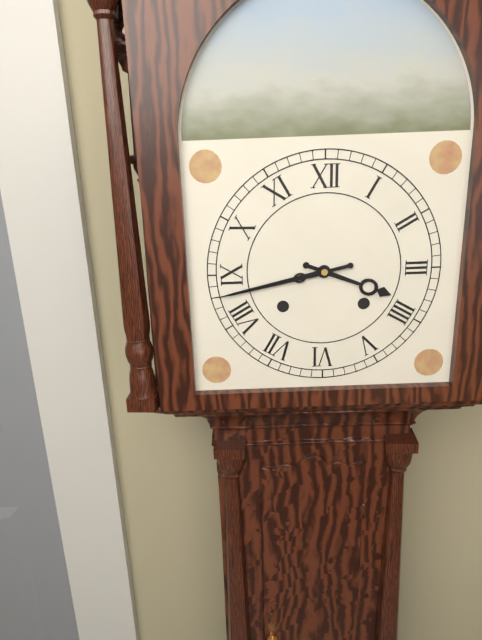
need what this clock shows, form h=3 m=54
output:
h=3 m=43
